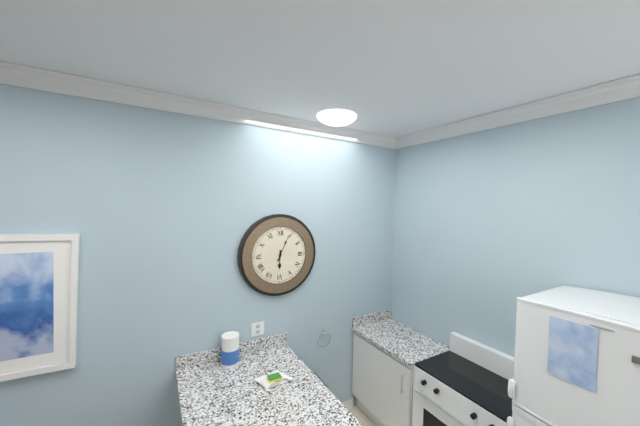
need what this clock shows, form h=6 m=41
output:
h=6 m=4
